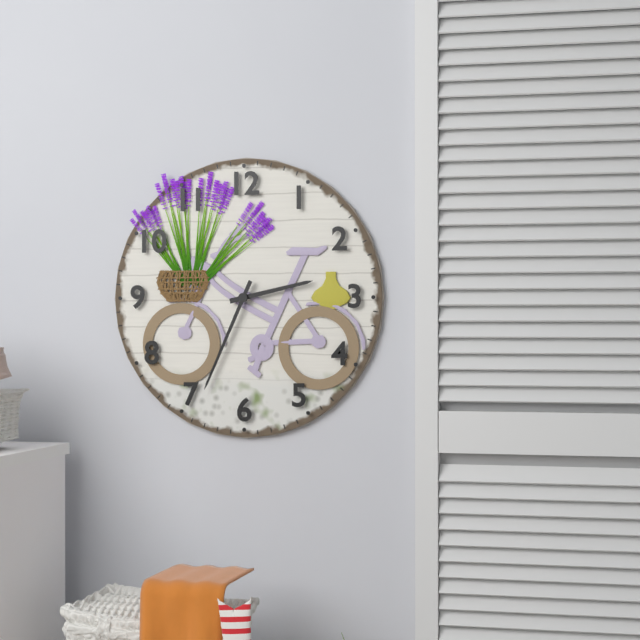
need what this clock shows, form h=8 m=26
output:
h=2 m=34
